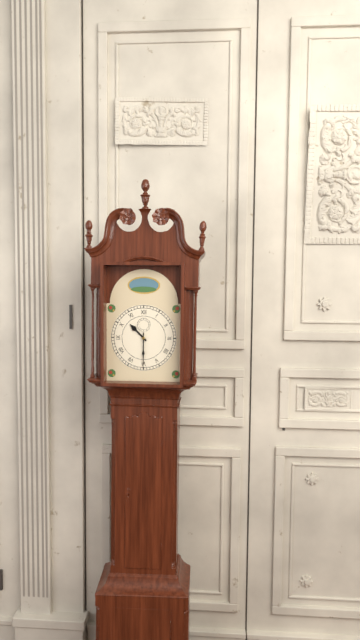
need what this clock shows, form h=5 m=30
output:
h=10 m=30
